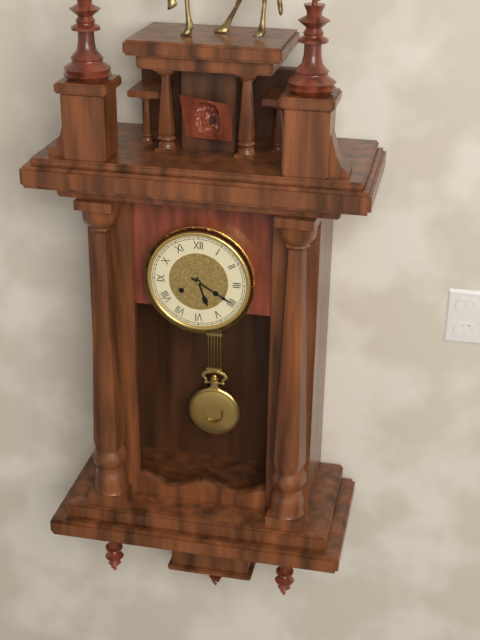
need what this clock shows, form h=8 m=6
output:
h=5 m=20
